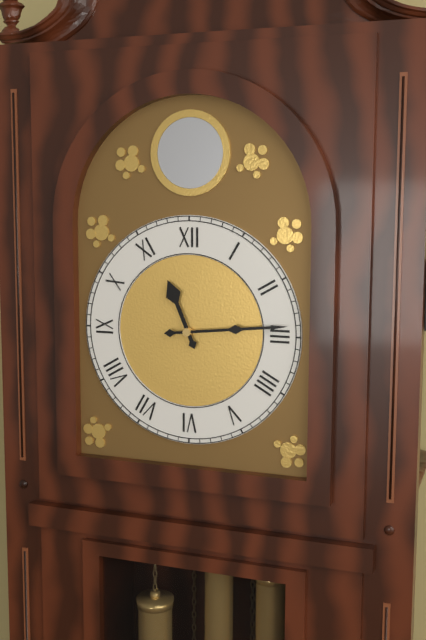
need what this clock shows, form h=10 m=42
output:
h=11 m=14
